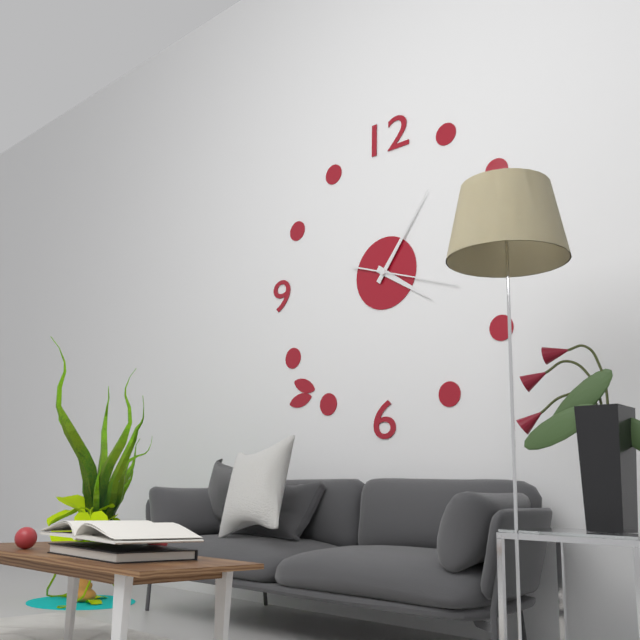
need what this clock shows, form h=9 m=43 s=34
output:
h=4 m=6 s=18
